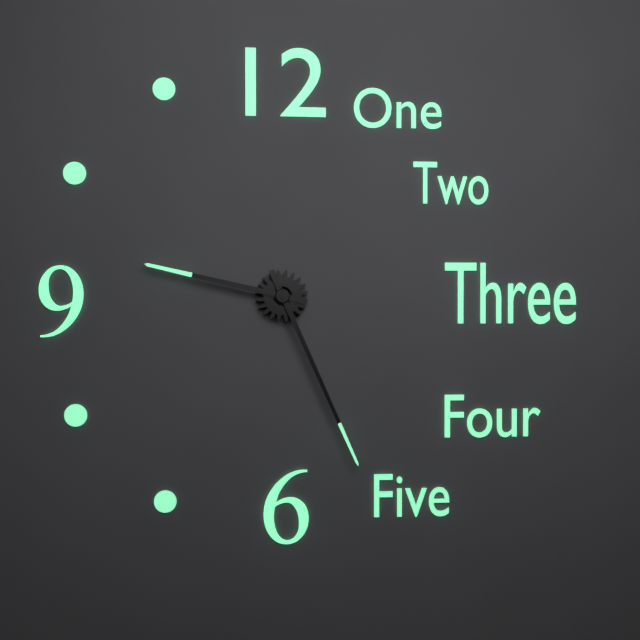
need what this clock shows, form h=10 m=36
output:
h=9 m=26
